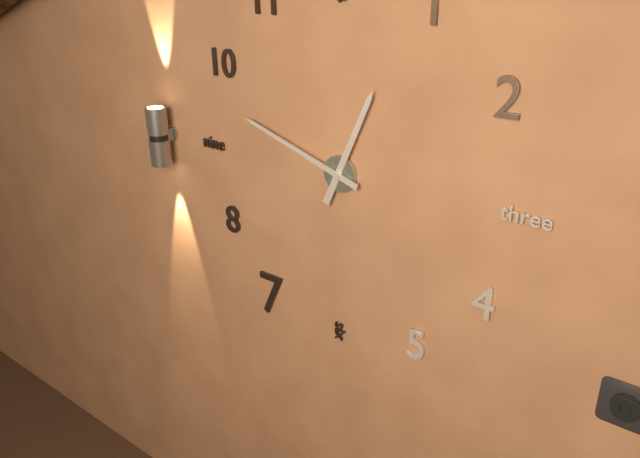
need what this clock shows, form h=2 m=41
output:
h=12 m=48
